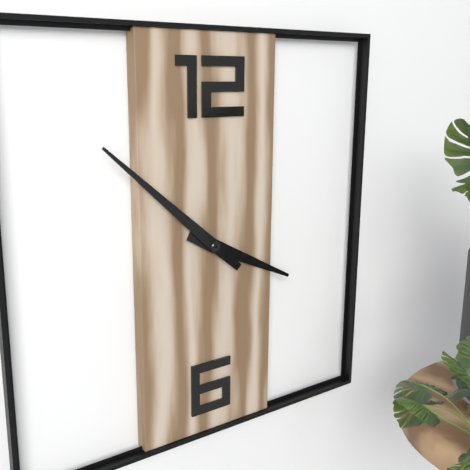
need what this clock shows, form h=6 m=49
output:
h=3 m=52
